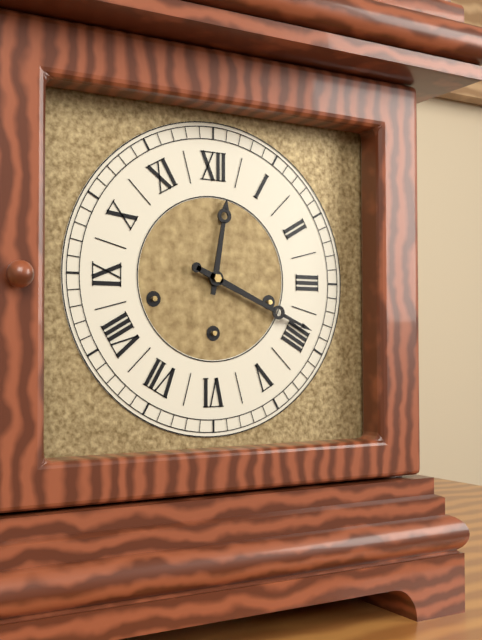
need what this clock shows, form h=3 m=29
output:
h=12 m=19
